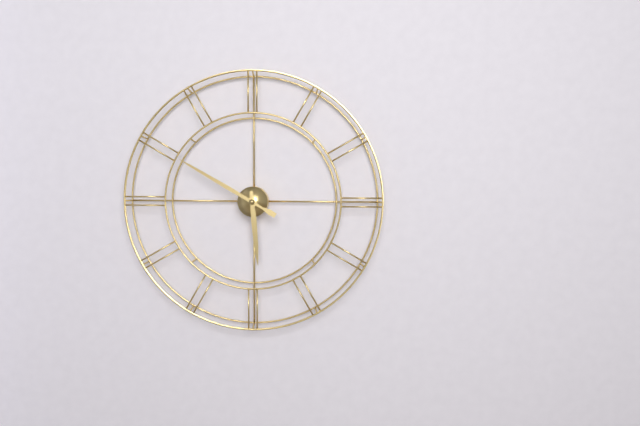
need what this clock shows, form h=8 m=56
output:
h=5 m=50
